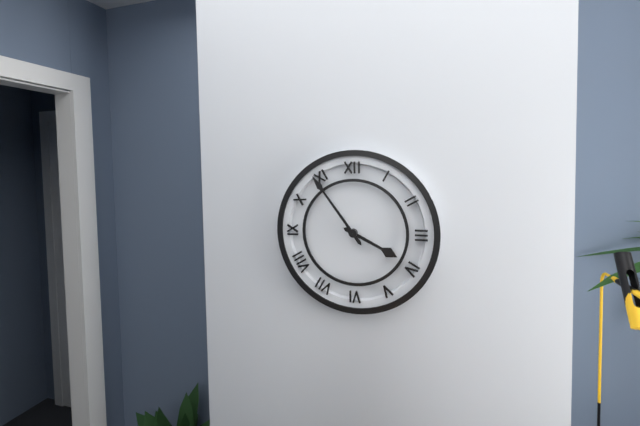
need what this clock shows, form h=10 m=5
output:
h=3 m=54
